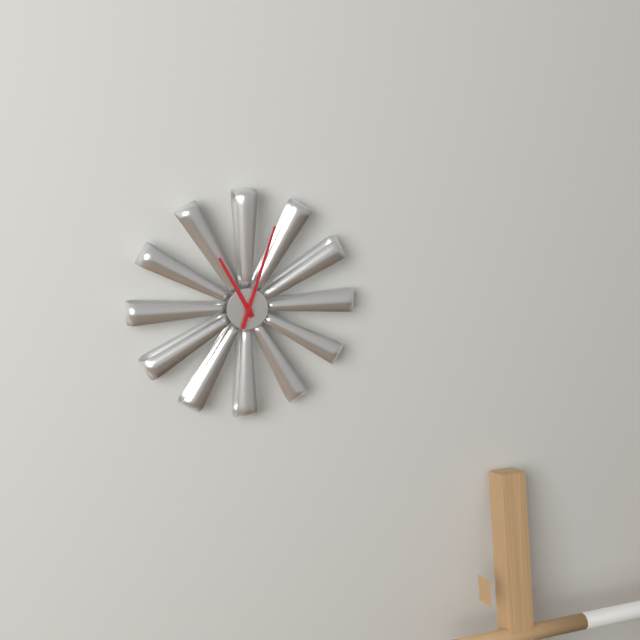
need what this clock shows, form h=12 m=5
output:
h=11 m=3
